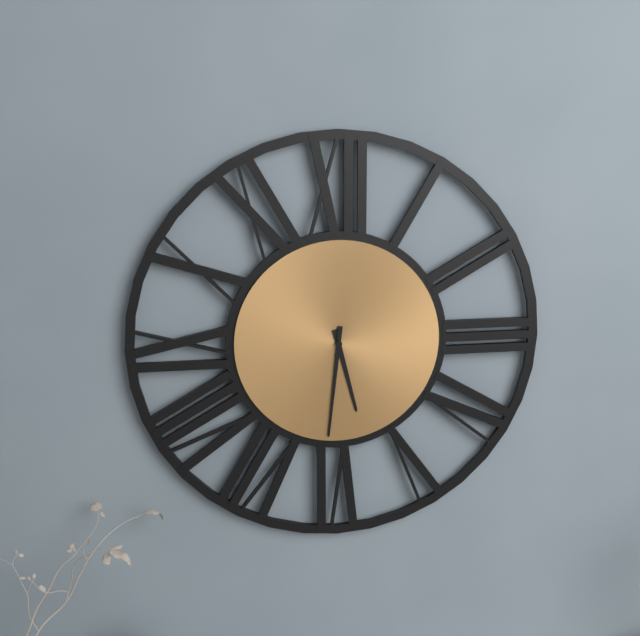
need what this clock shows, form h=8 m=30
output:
h=5 m=31
